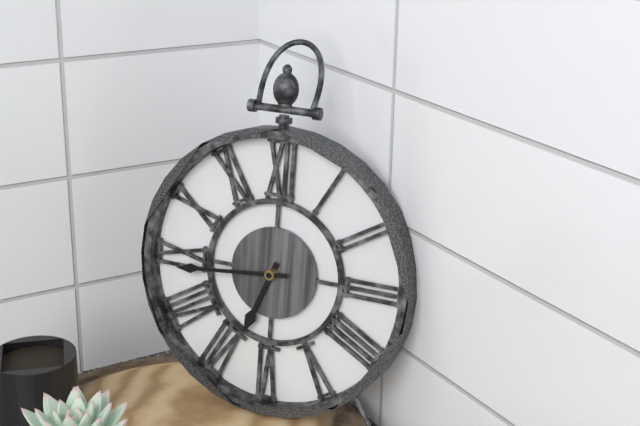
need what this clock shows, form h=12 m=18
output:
h=6 m=44
